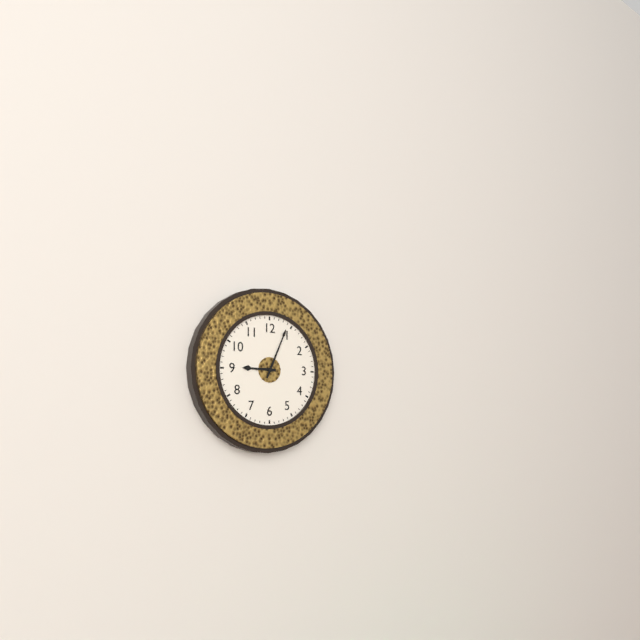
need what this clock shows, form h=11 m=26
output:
h=9 m=4
